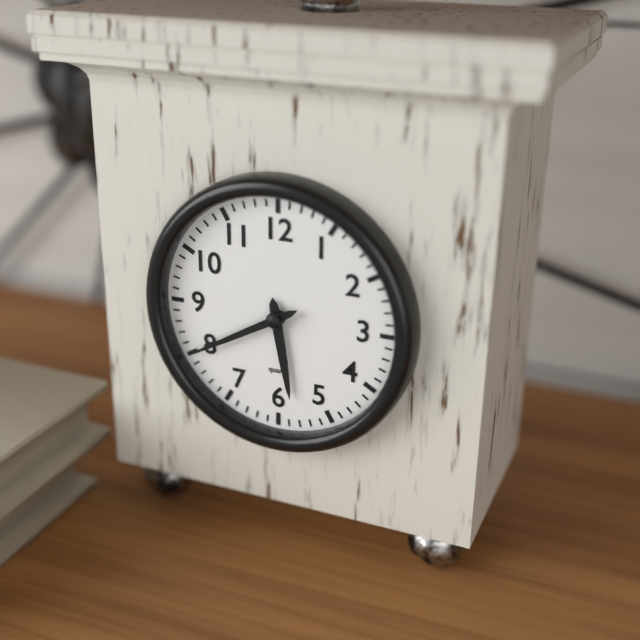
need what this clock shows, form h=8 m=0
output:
h=5 m=40
